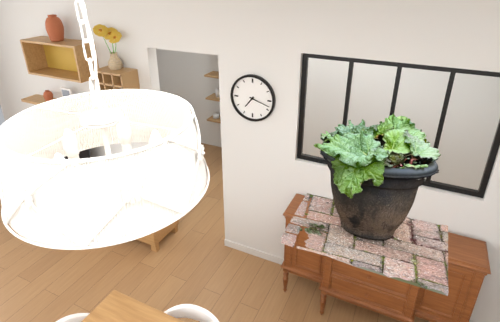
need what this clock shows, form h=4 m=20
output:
h=7 m=18
